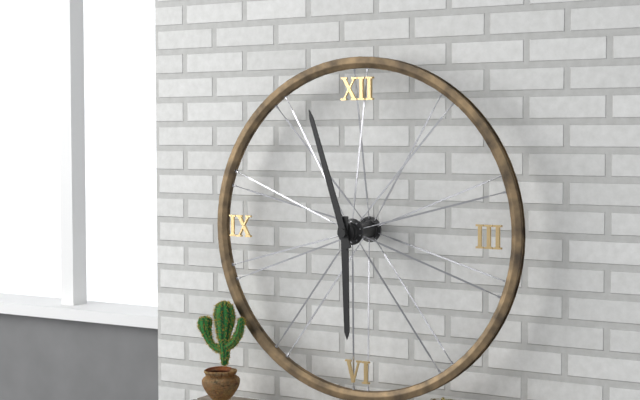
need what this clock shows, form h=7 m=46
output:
h=5 m=57
